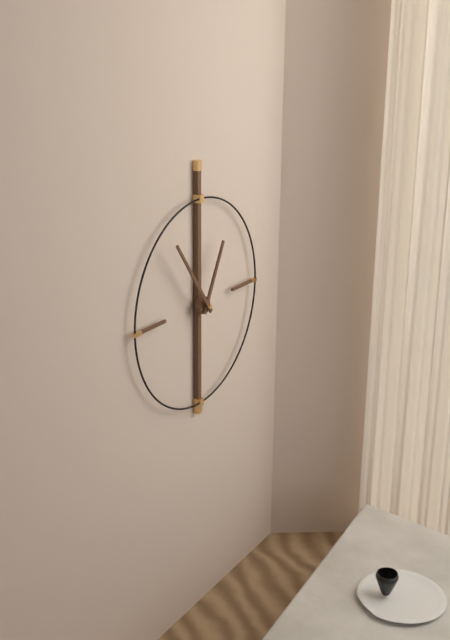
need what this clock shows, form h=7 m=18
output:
h=12 m=54
